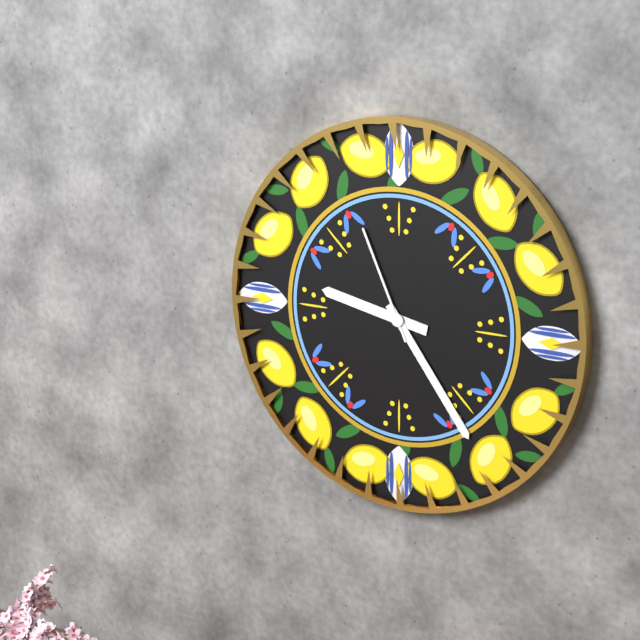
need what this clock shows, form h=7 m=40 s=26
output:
h=9 m=24 s=56
